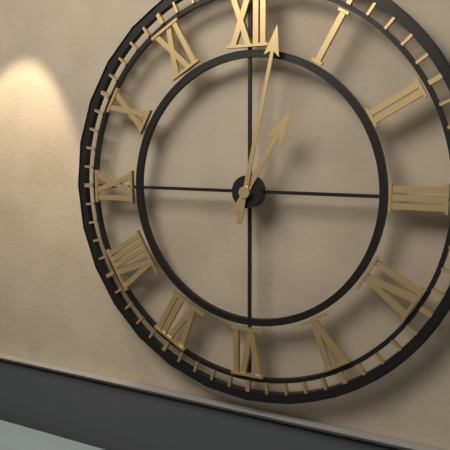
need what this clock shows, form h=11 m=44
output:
h=1 m=2
